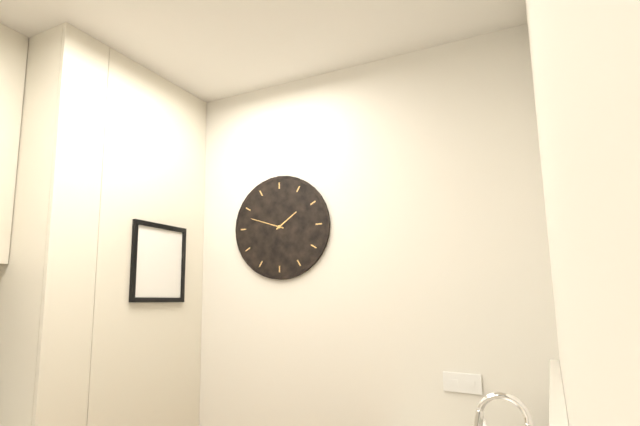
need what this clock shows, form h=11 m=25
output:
h=1 m=48
